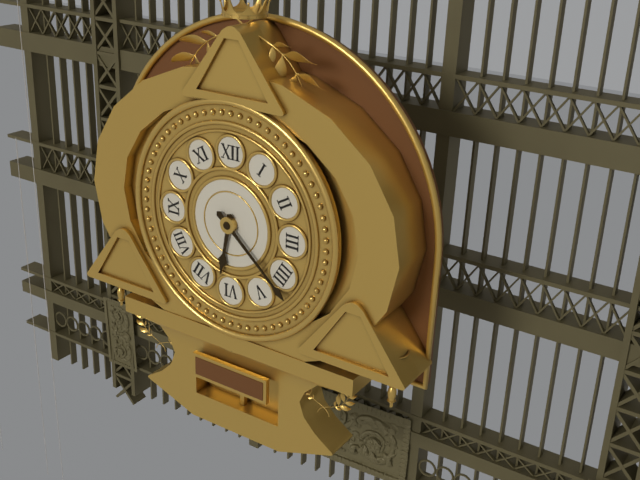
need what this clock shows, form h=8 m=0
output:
h=6 m=22
